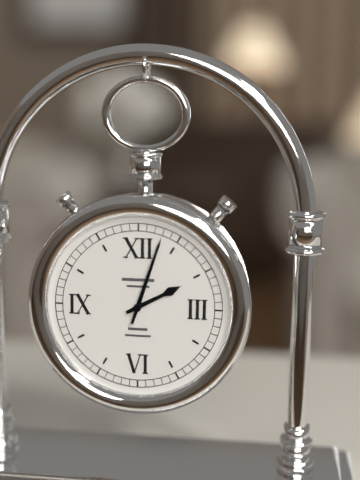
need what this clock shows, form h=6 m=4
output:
h=2 m=3
